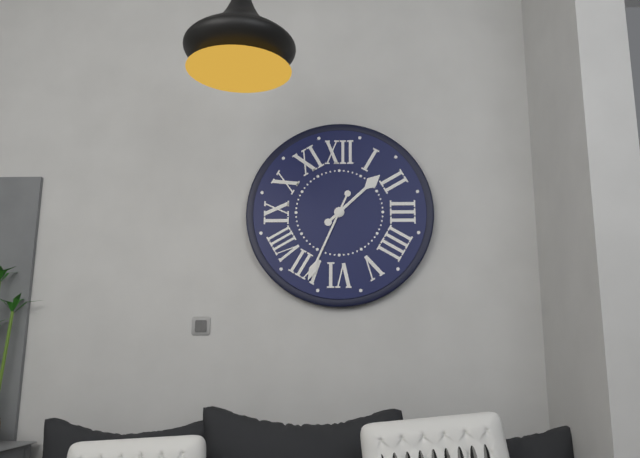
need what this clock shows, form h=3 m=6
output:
h=1 m=34
